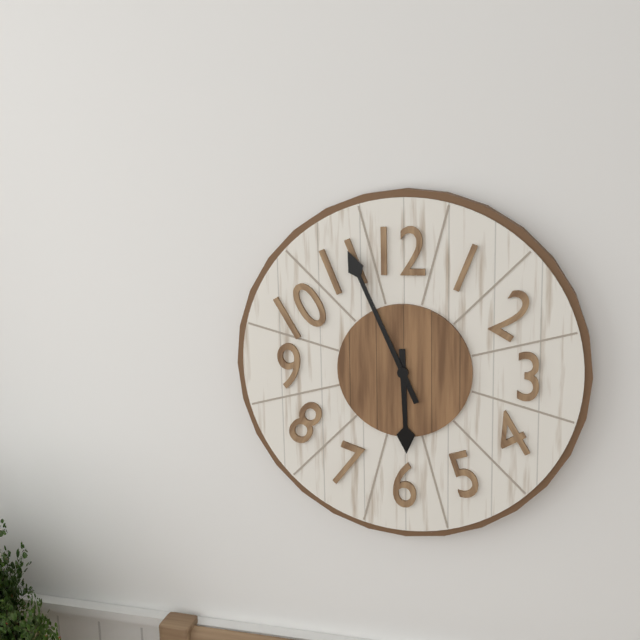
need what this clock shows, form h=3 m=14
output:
h=5 m=56
